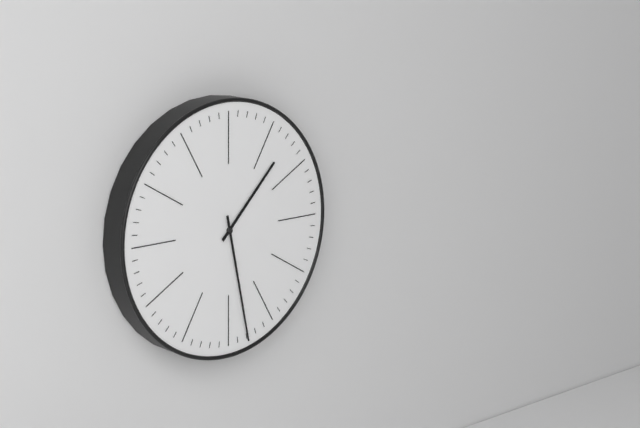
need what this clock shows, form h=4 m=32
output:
h=1 m=28
